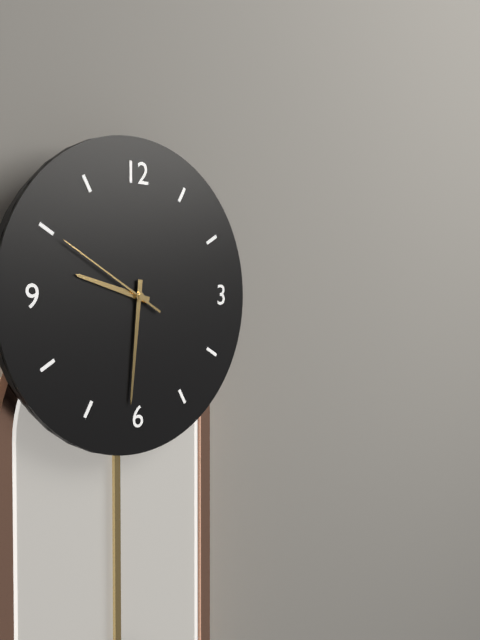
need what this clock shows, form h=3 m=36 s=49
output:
h=9 m=31 s=50
